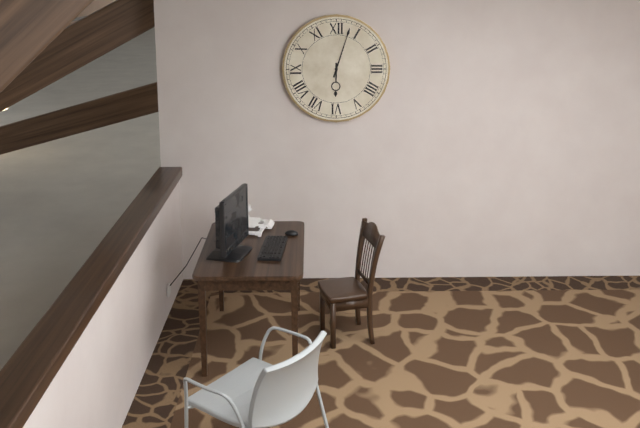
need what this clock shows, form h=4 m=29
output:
h=6 m=3
